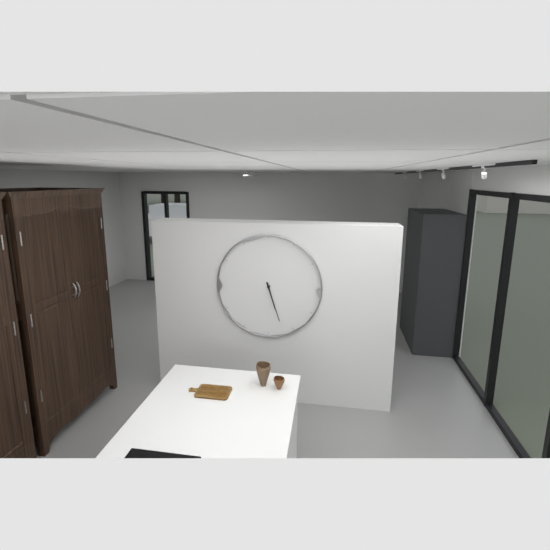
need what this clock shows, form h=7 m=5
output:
h=5 m=27
